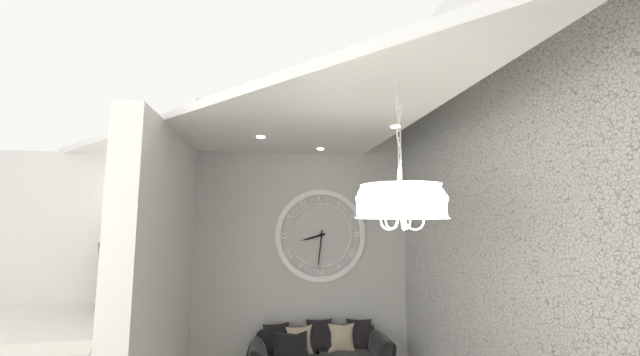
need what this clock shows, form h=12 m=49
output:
h=8 m=31
